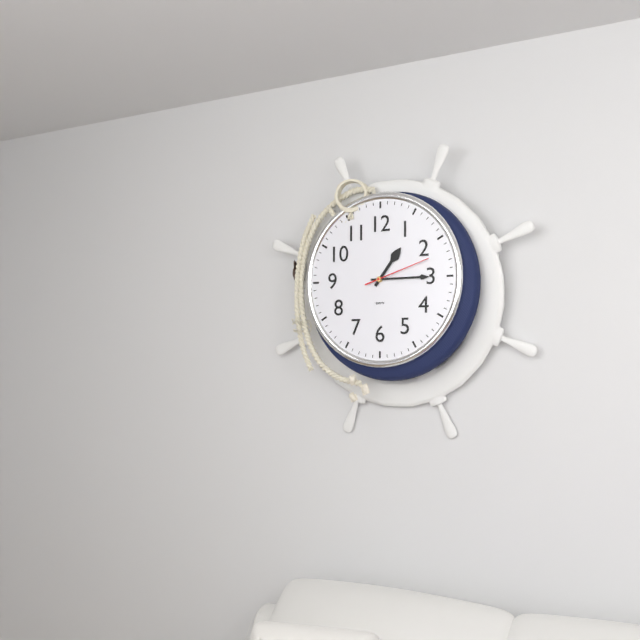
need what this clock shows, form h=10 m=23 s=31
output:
h=1 m=15 s=12
